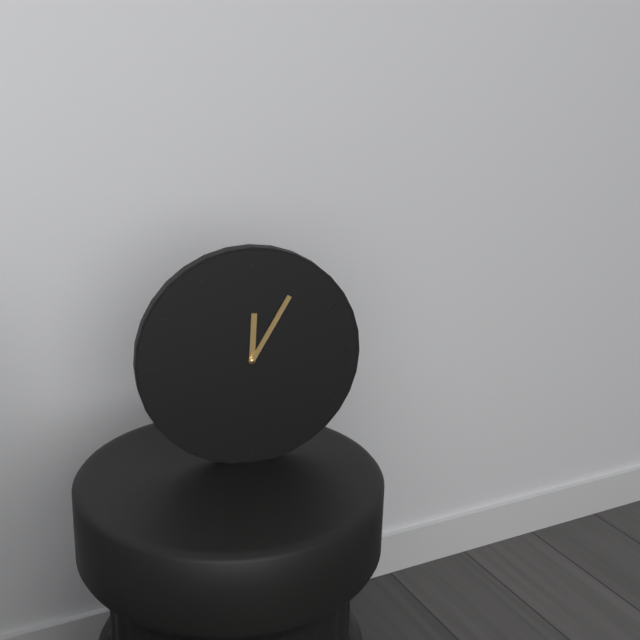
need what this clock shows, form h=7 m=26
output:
h=12 m=5
